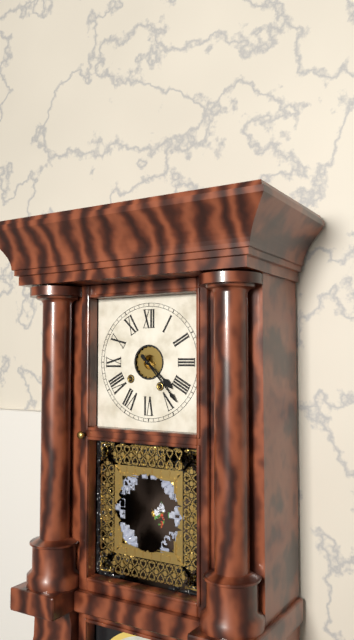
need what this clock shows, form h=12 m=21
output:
h=4 m=23
